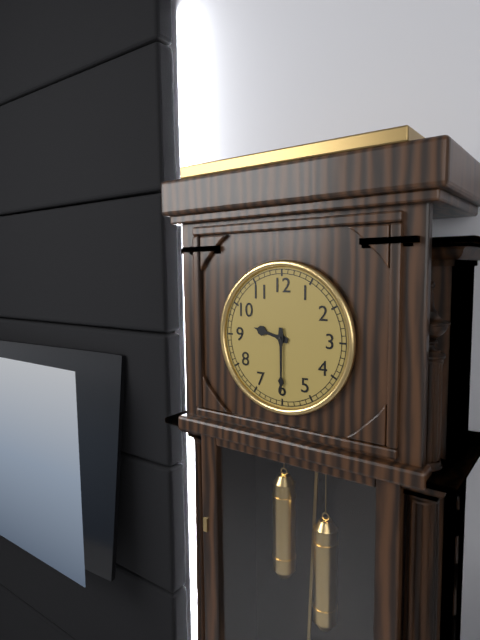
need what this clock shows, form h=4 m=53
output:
h=9 m=30
